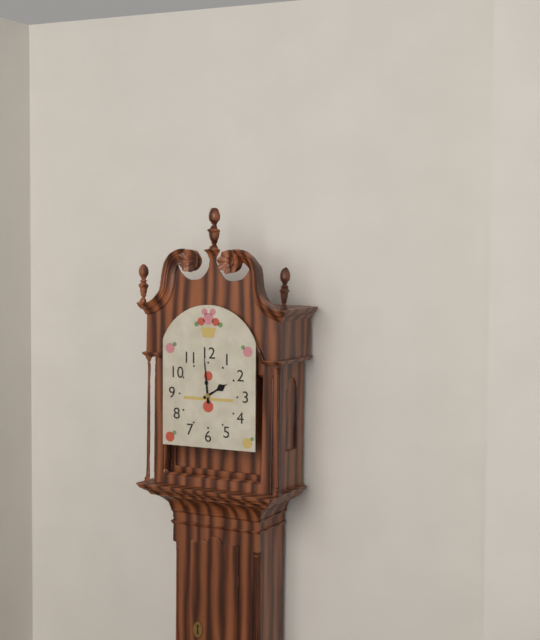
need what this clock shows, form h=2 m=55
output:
h=1 m=59
